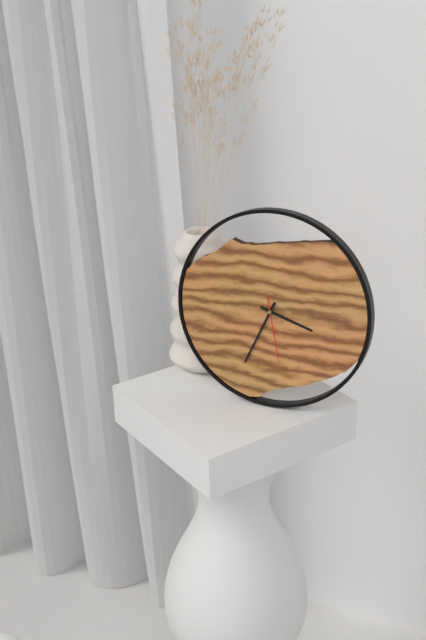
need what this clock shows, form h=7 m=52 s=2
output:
h=3 m=34 s=28
